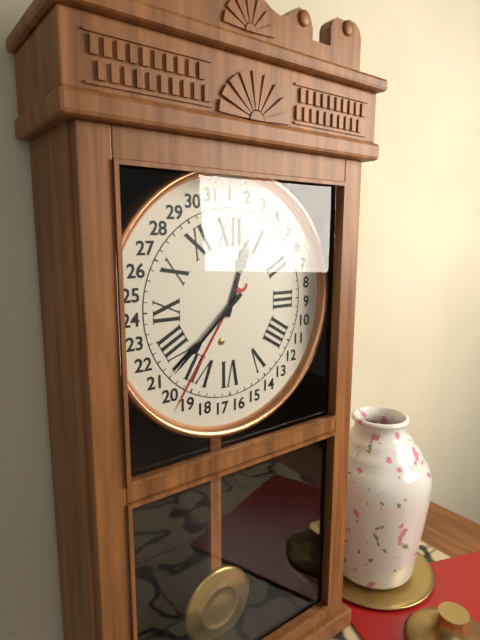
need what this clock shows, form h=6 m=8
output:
h=12 m=38
